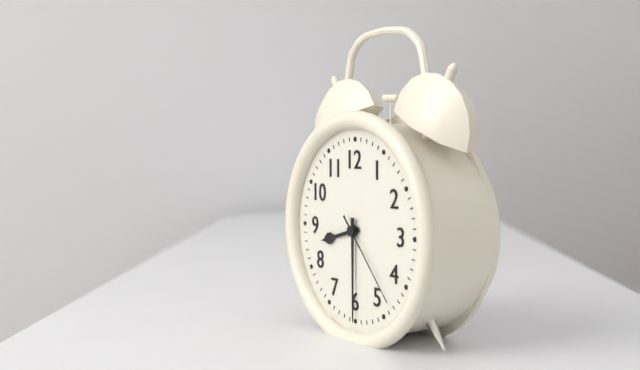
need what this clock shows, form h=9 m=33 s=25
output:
h=8 m=30 s=23
